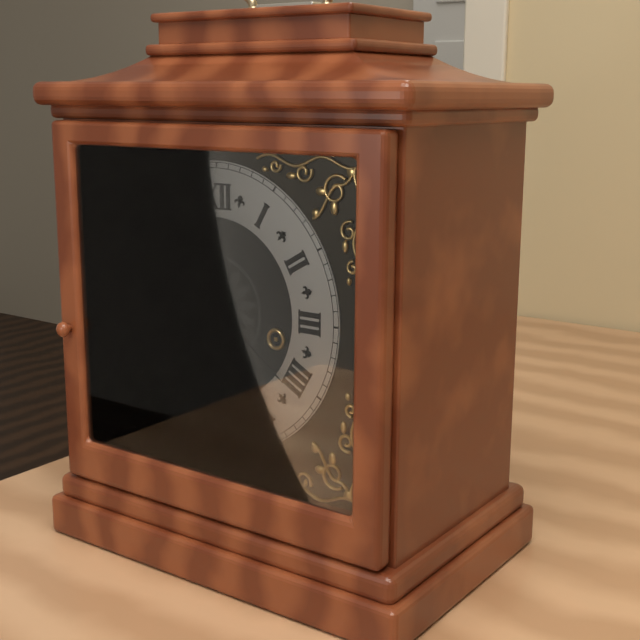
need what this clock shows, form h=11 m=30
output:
h=6 m=21
